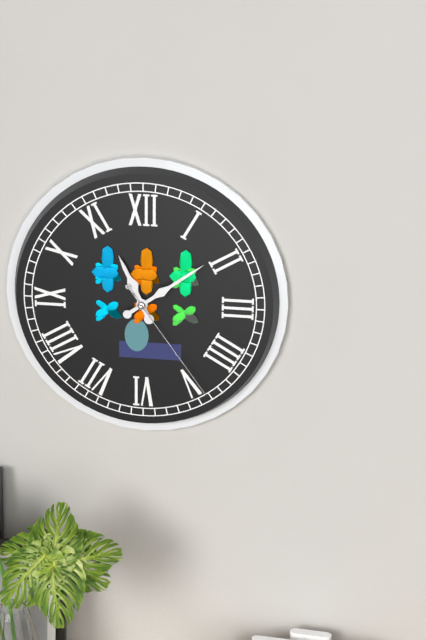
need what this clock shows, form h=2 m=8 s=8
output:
h=11 m=9 s=24
